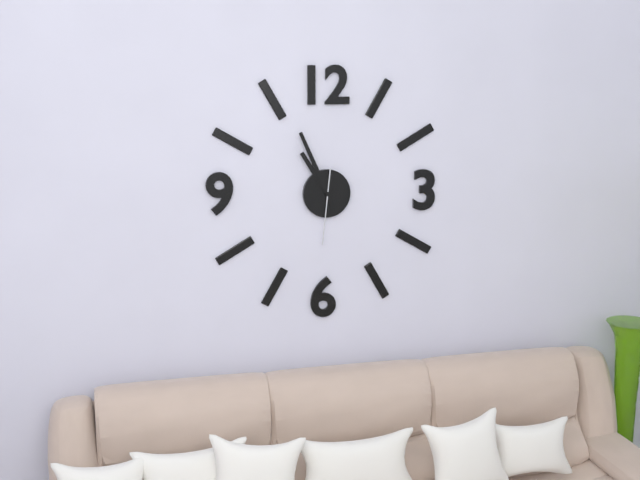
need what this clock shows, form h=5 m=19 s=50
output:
h=10 m=56 s=31
